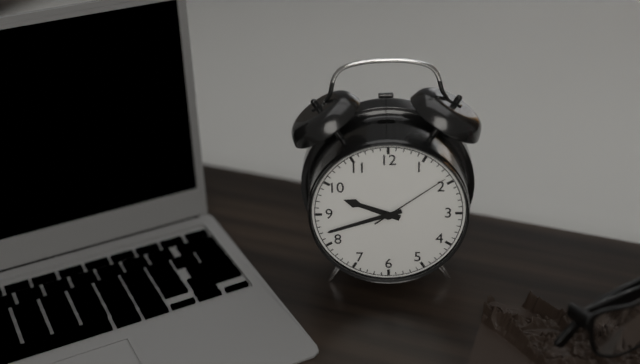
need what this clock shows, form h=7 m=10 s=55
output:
h=9 m=42 s=9
